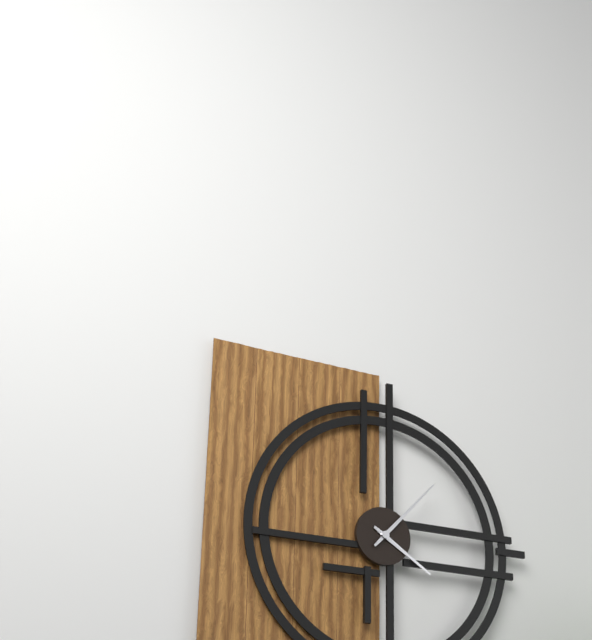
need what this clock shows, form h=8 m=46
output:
h=4 m=7
